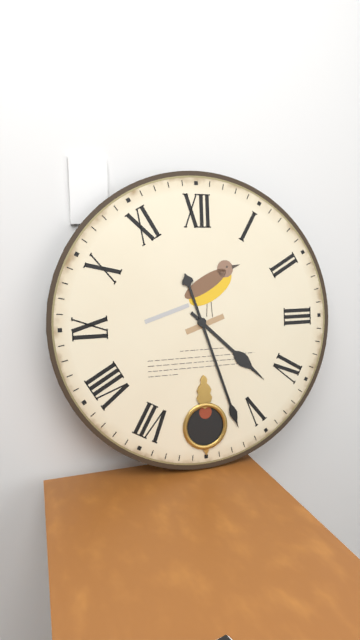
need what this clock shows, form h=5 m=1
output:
h=4 m=27
